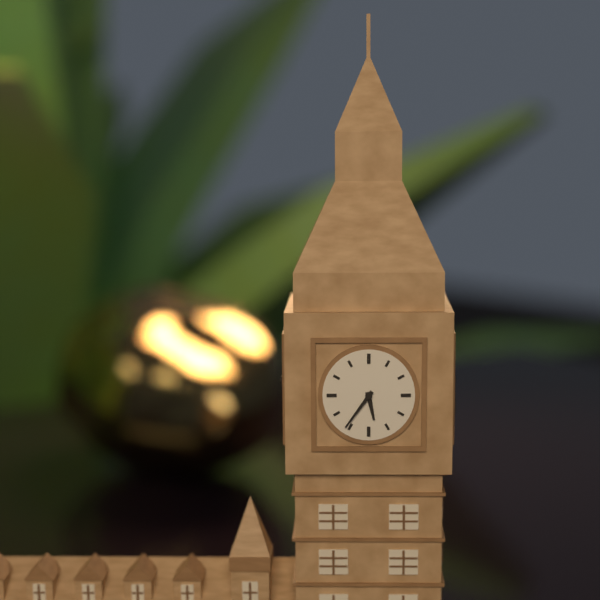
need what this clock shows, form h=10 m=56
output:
h=5 m=36
